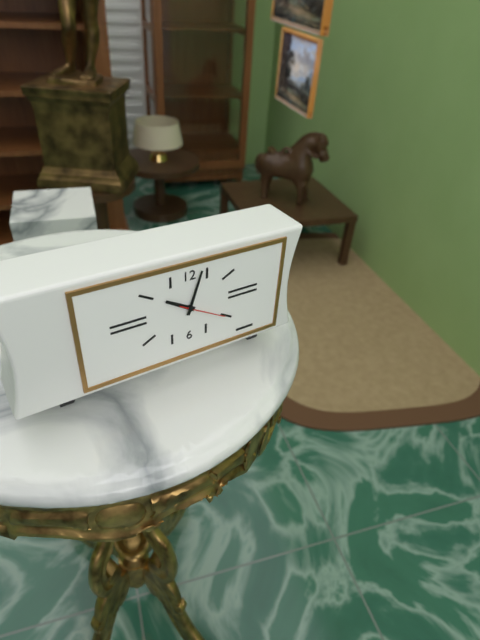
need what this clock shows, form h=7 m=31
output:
h=10 m=3
